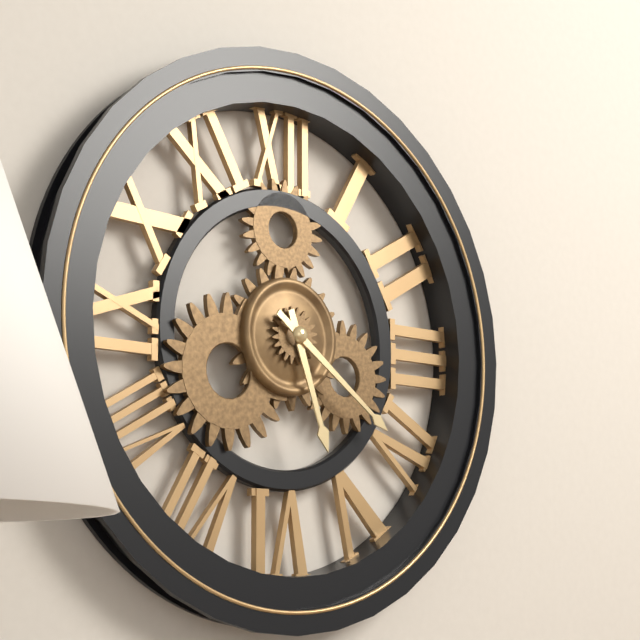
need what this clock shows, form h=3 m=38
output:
h=5 m=21
